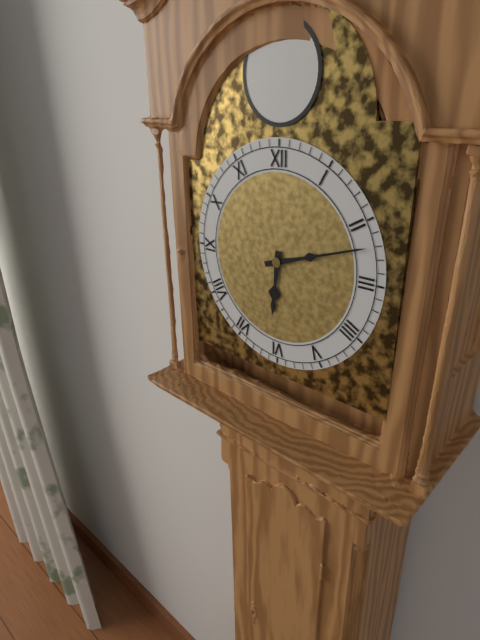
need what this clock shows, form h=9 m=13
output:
h=6 m=12
